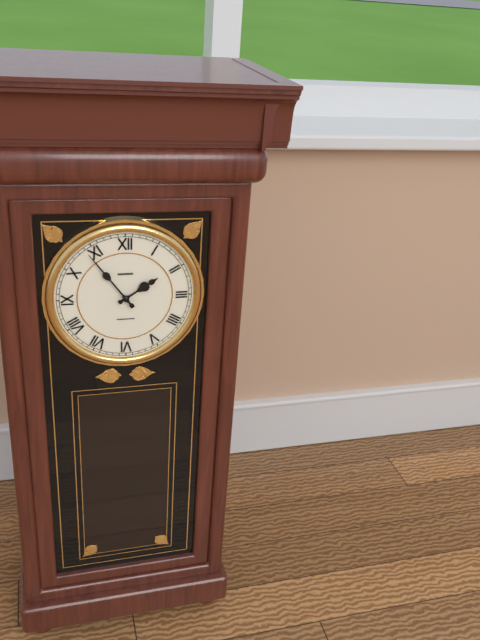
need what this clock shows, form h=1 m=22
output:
h=1 m=54
